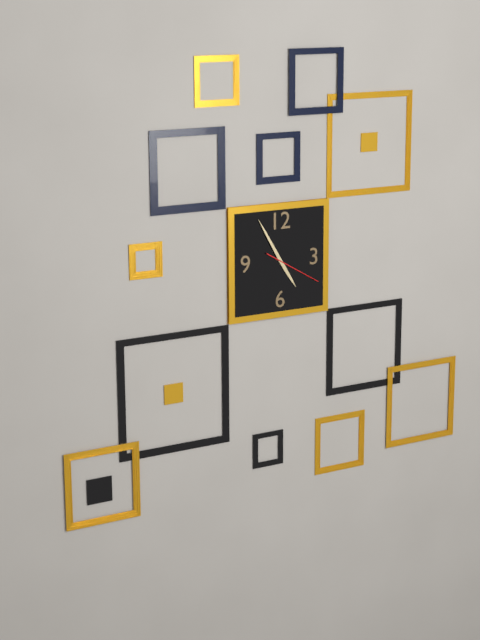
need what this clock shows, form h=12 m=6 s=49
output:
h=4 m=55 s=20
